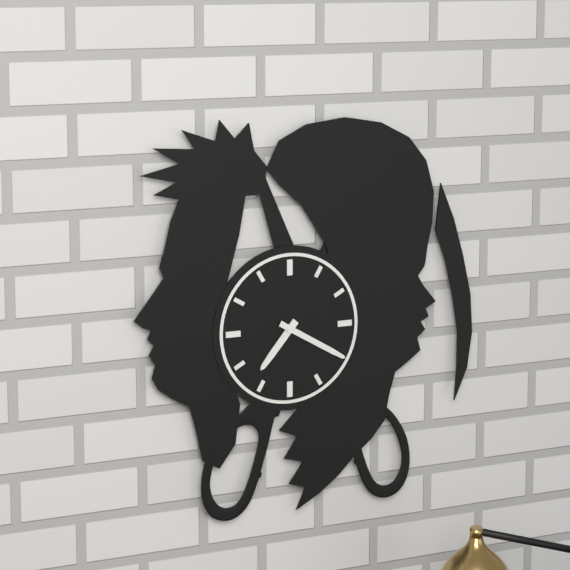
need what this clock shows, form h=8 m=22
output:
h=7 m=20
